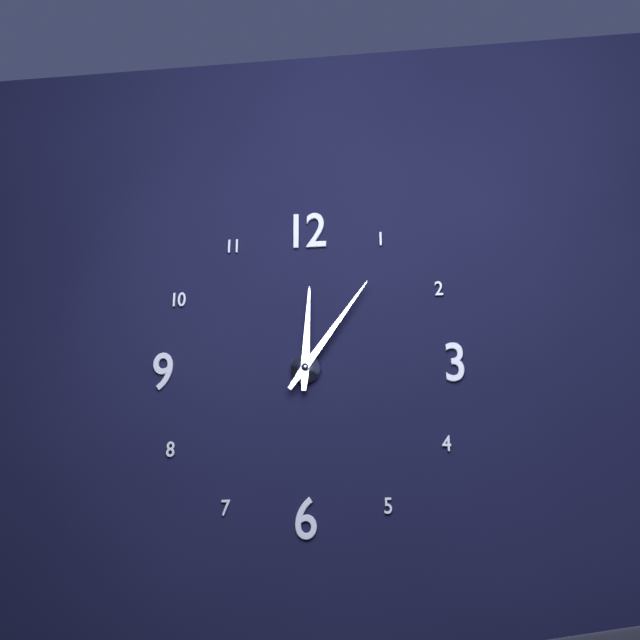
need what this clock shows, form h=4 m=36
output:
h=12 m=6
